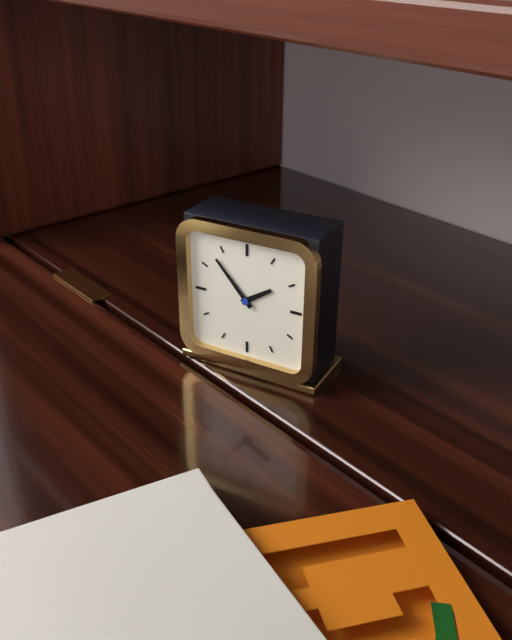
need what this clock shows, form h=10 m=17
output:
h=1 m=53
